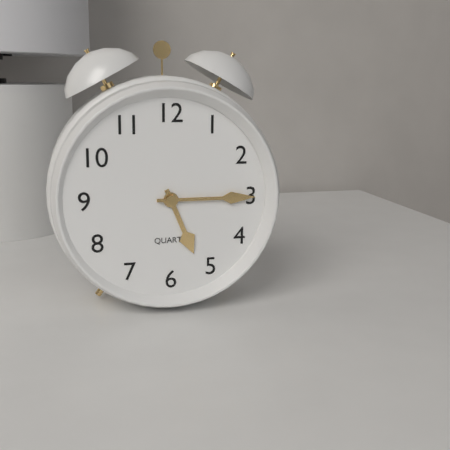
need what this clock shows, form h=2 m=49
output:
h=5 m=15
